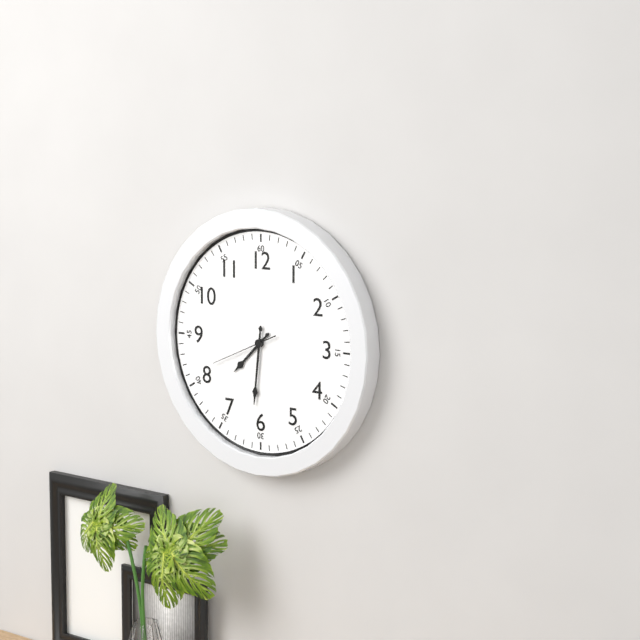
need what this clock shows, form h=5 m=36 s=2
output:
h=7 m=31 s=41
